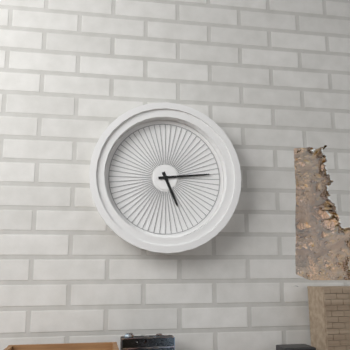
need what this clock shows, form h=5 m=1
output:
h=5 m=14
